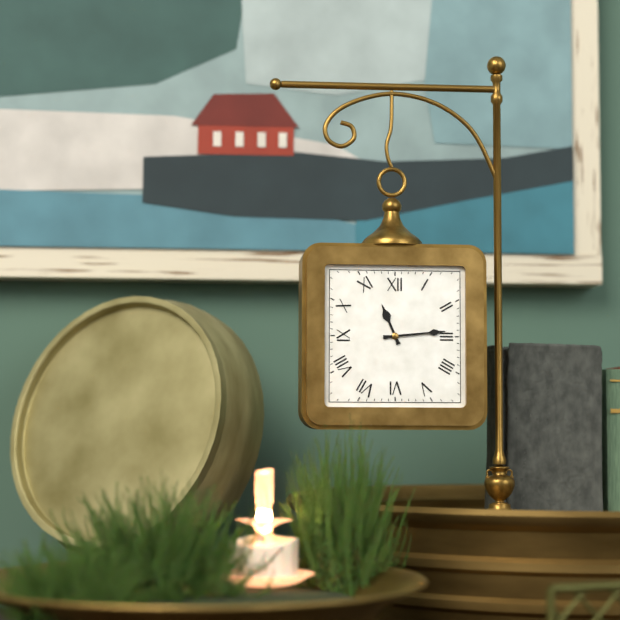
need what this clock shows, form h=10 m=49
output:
h=11 m=14
